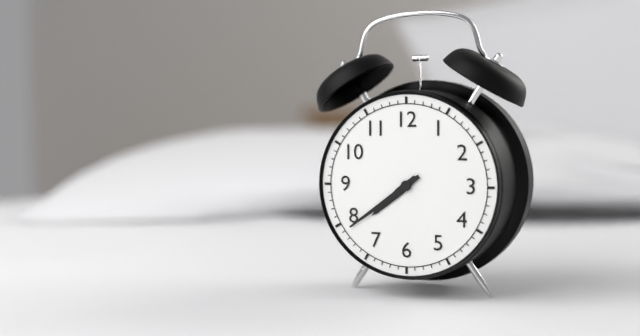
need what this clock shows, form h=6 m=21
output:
h=7 m=39
